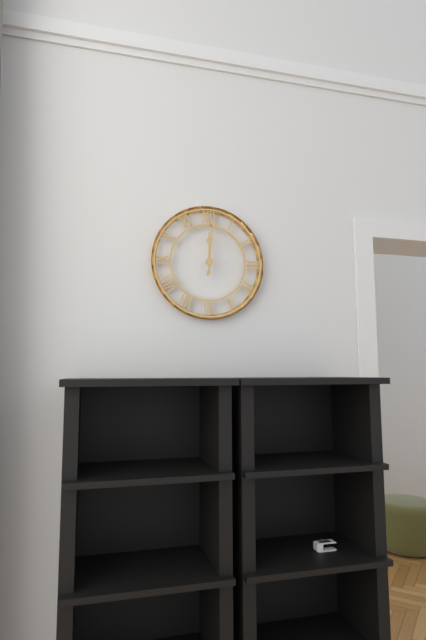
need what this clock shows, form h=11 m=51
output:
h=12 m=1
